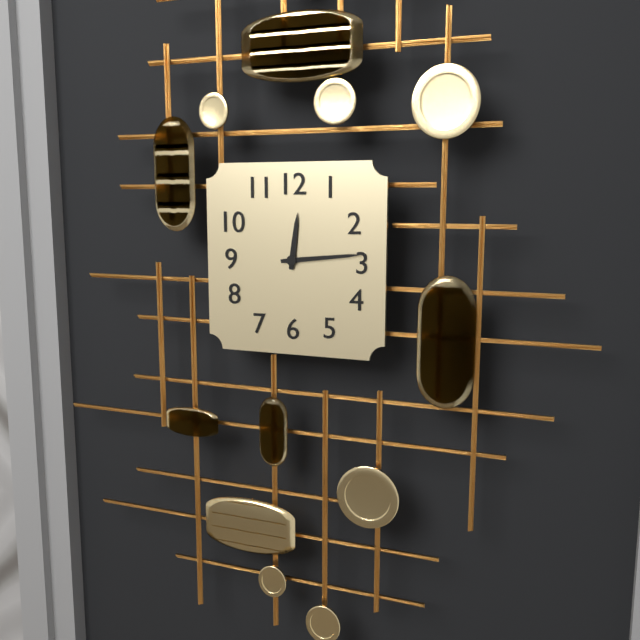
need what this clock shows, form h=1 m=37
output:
h=12 m=14
